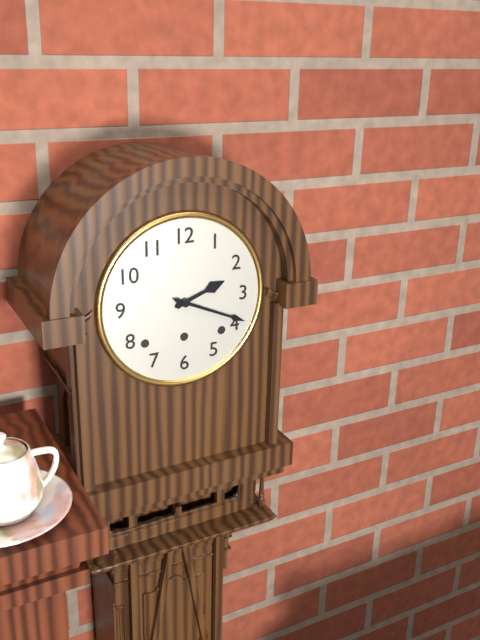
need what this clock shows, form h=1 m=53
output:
h=2 m=19
